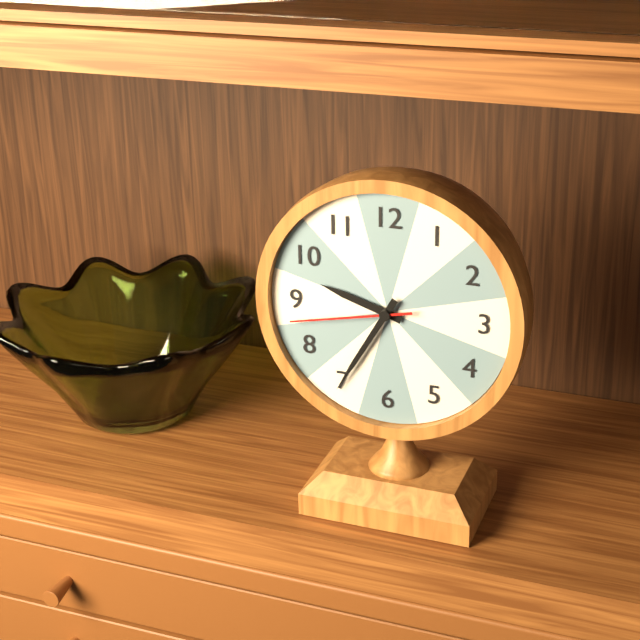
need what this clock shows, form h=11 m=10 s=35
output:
h=9 m=35 s=43
